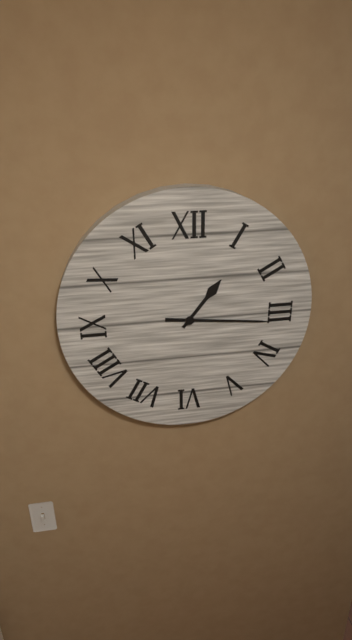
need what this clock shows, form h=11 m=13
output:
h=1 m=16
